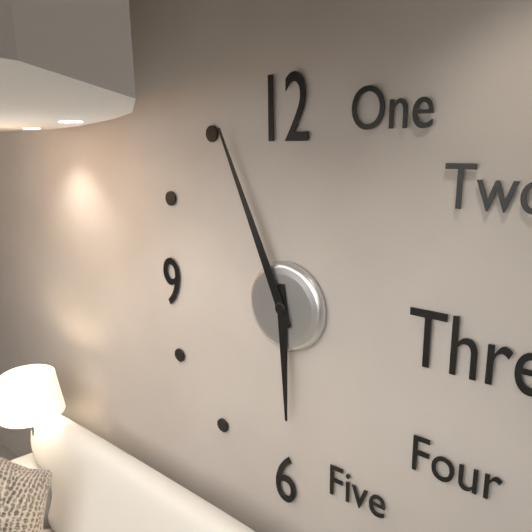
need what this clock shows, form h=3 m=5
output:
h=5 m=56
